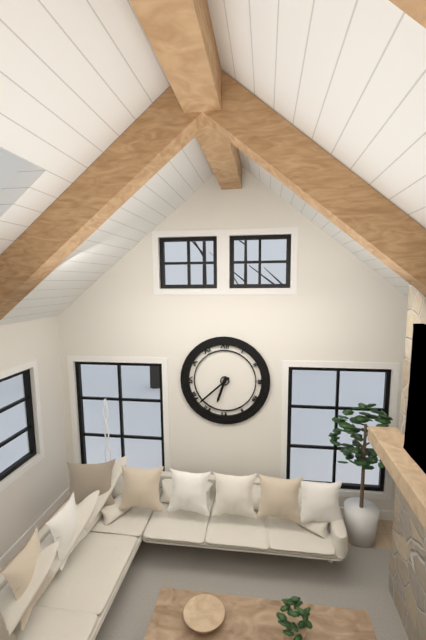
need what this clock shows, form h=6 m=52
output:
h=6 m=38
